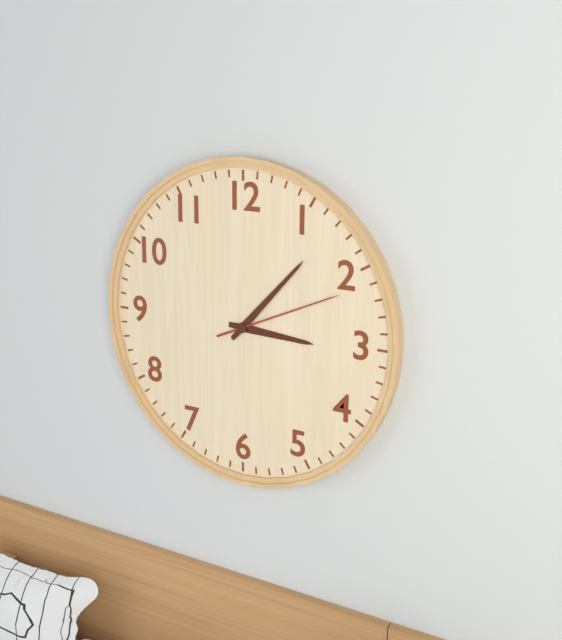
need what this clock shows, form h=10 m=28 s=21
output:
h=3 m=7 s=11
